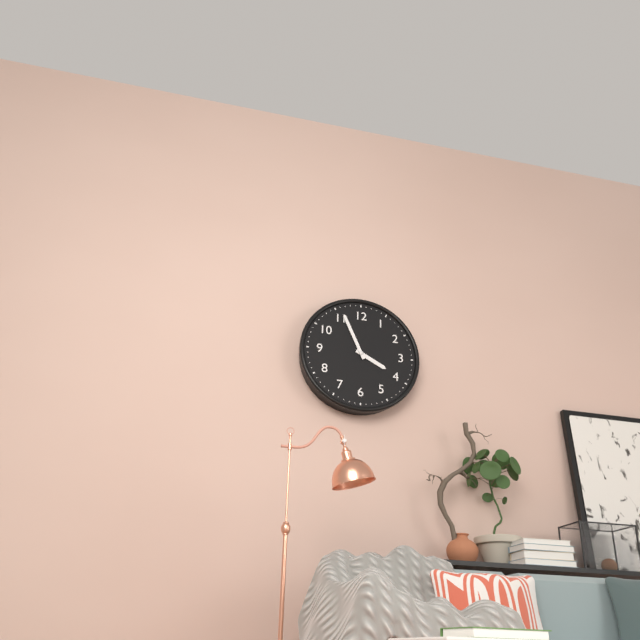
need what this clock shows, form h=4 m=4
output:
h=3 m=56
